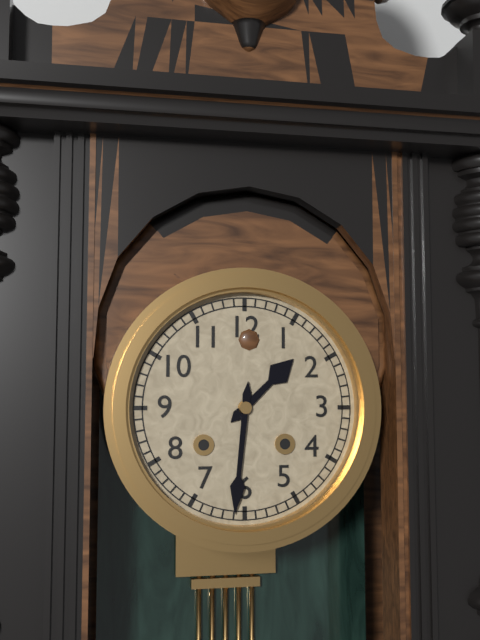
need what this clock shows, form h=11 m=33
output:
h=1 m=31
